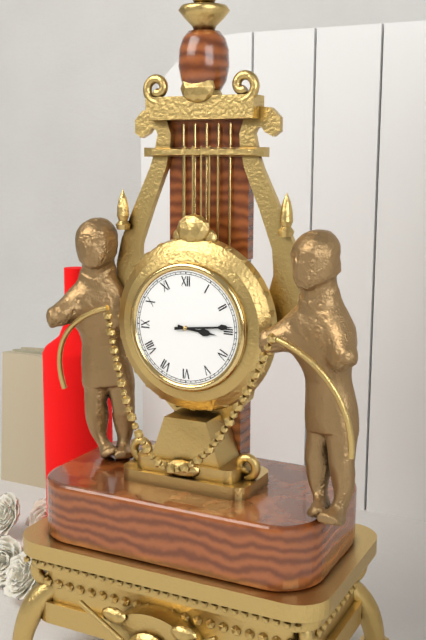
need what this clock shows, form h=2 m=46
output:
h=3 m=14
